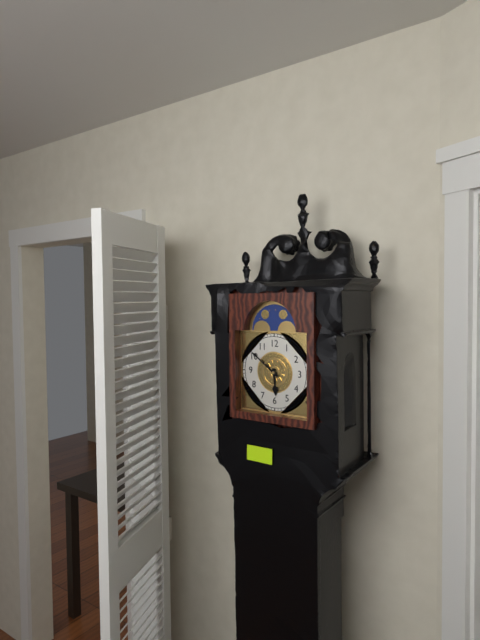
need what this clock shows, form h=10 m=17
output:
h=5 m=51
